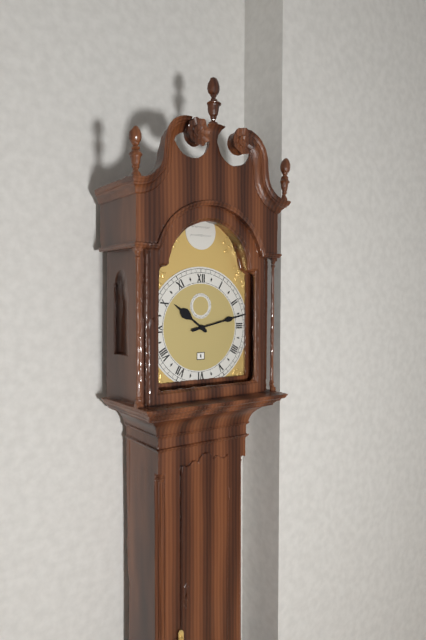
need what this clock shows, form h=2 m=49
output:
h=10 m=13
